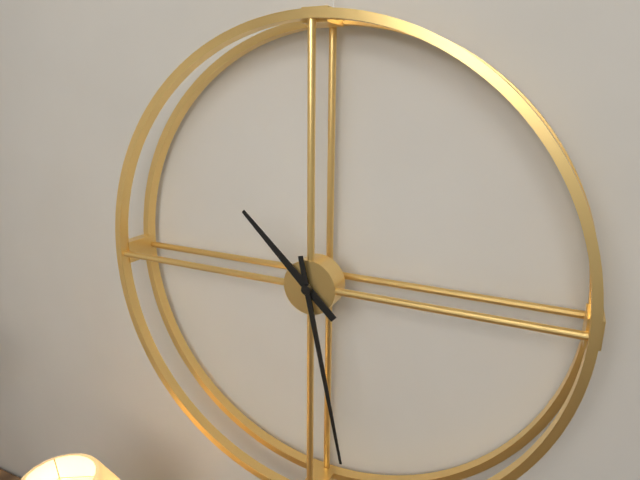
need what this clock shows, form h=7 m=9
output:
h=10 m=28
